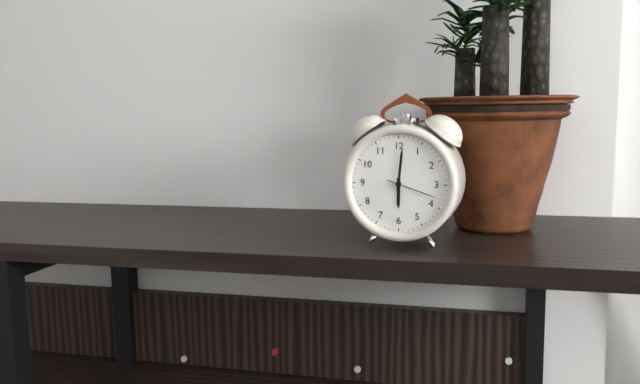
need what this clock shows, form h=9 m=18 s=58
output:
h=6 m=1 s=18
